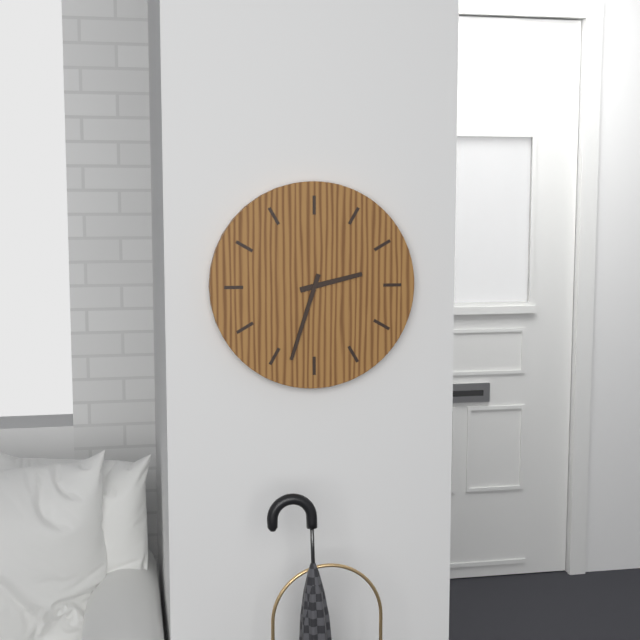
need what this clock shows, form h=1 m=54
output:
h=2 m=33
